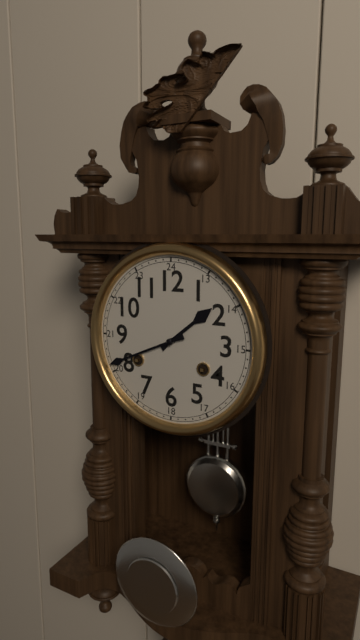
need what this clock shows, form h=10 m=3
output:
h=1 m=41
